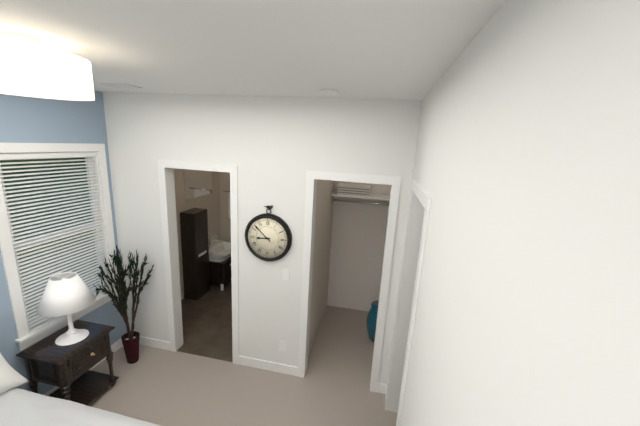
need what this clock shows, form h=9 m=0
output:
h=8 m=52
